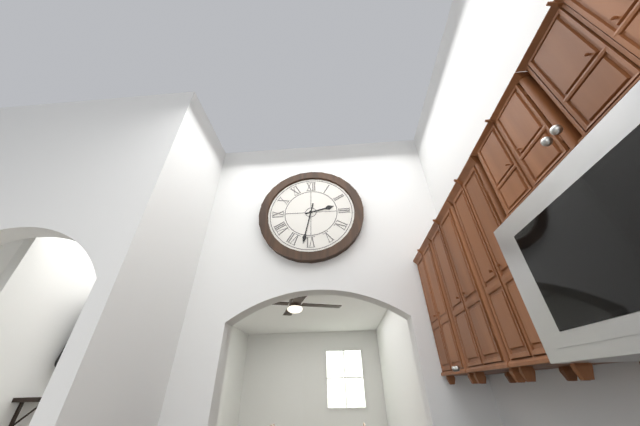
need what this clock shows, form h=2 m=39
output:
h=2 m=32
